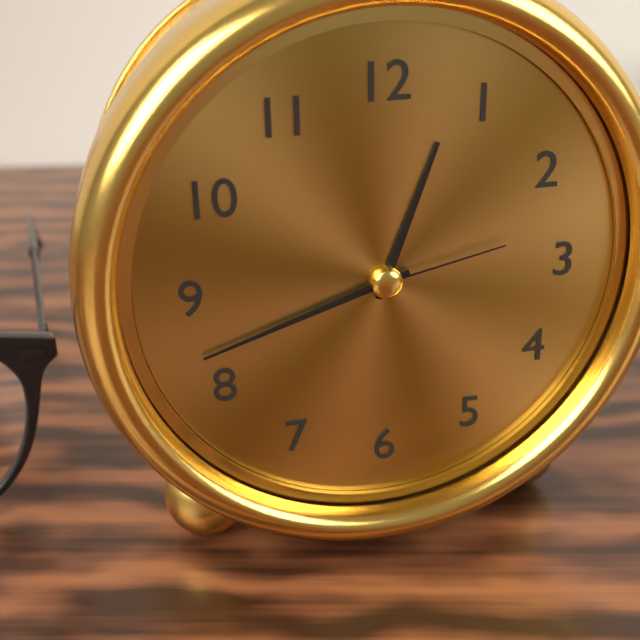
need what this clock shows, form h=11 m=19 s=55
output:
h=12 m=42 s=13
